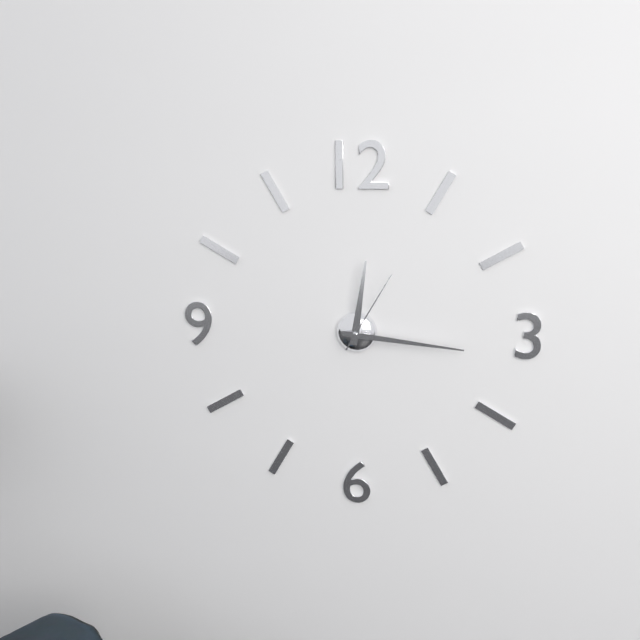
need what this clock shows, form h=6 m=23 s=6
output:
h=12 m=16 s=5
